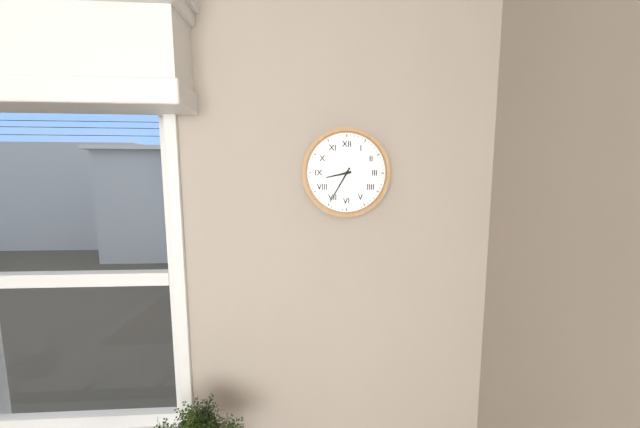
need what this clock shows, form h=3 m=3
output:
h=8 m=35
